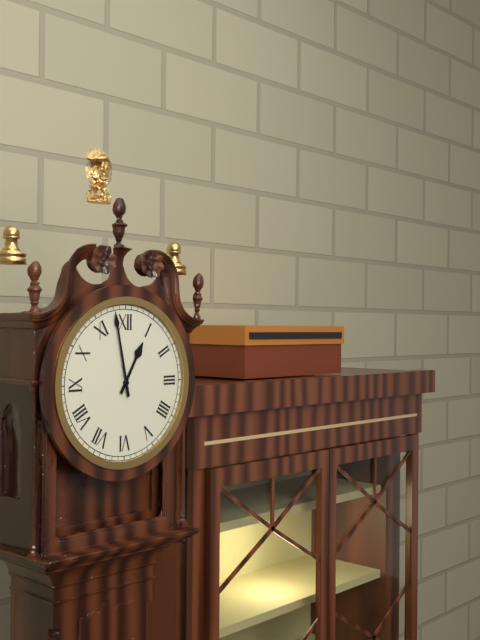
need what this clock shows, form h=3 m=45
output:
h=12 m=58
